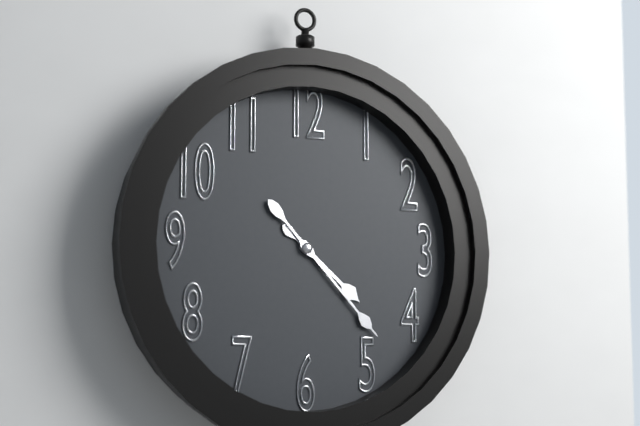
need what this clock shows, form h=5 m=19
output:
h=4 m=23
